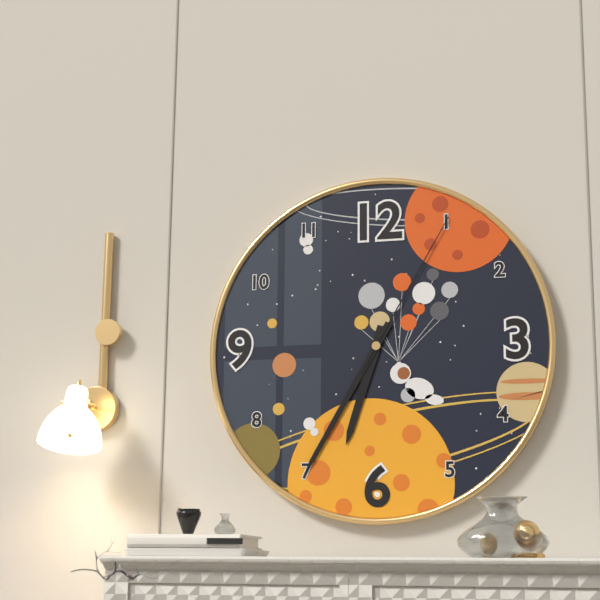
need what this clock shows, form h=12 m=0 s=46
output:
h=6 m=35 s=5
